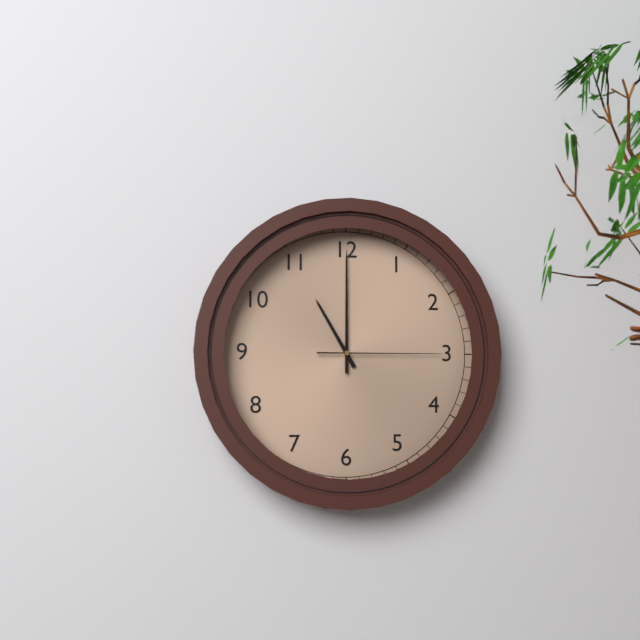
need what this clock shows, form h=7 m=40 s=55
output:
h=11 m=0 s=15
